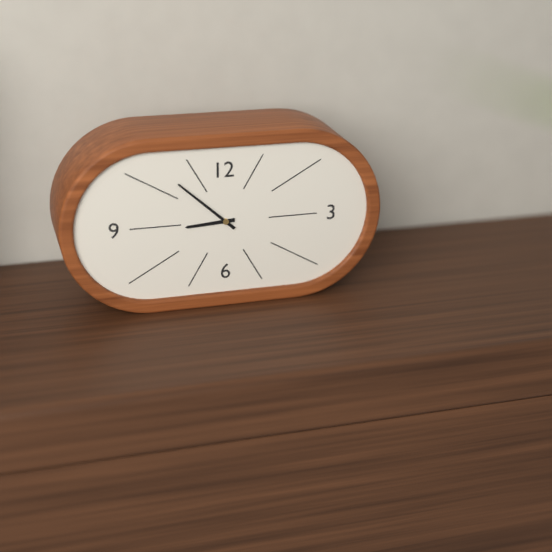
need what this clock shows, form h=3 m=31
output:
h=8 m=52
